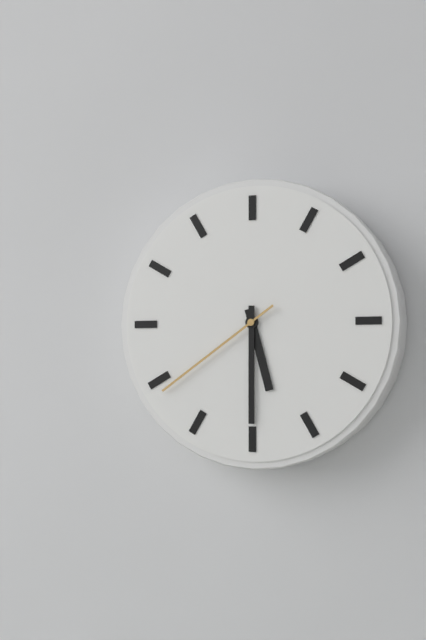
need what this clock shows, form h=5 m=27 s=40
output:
h=5 m=30 s=39
